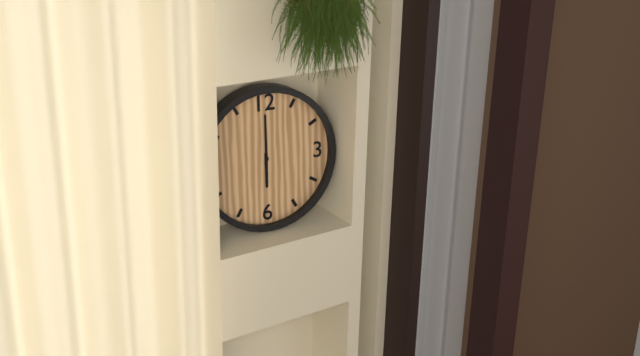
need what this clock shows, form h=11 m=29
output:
h=6 m=0
